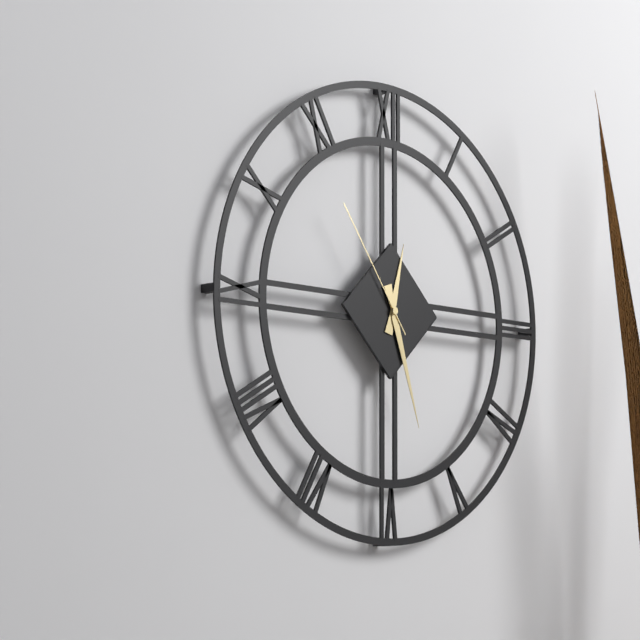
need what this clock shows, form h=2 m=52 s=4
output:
h=12 m=27 s=54
